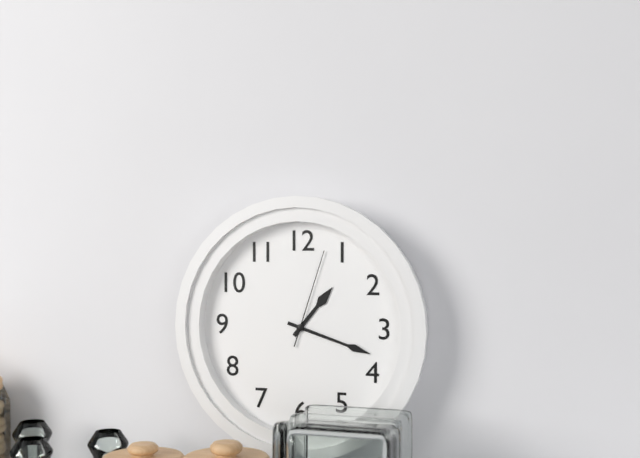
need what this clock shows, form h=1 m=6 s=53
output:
h=1 m=18 s=3
